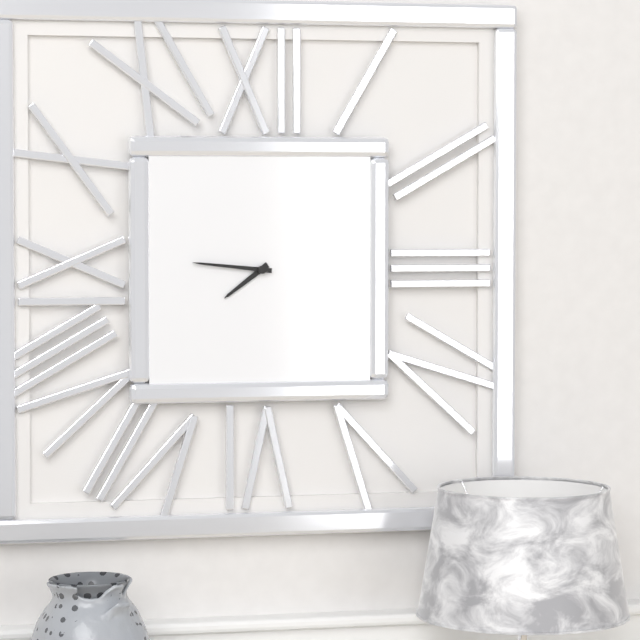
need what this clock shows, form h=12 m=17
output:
h=7 m=46
